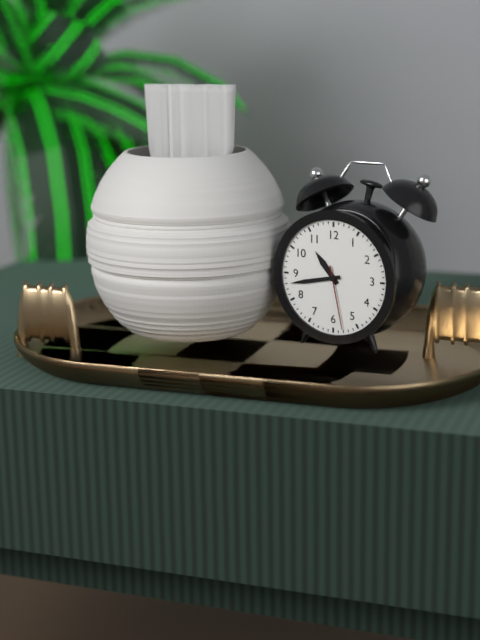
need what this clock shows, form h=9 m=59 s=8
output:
h=10 m=43 s=28
